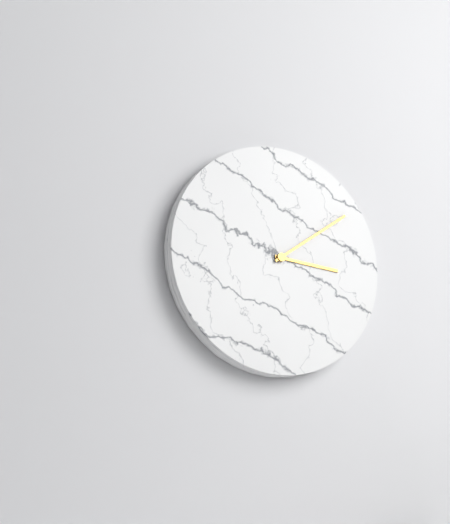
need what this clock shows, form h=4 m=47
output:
h=3 m=9
